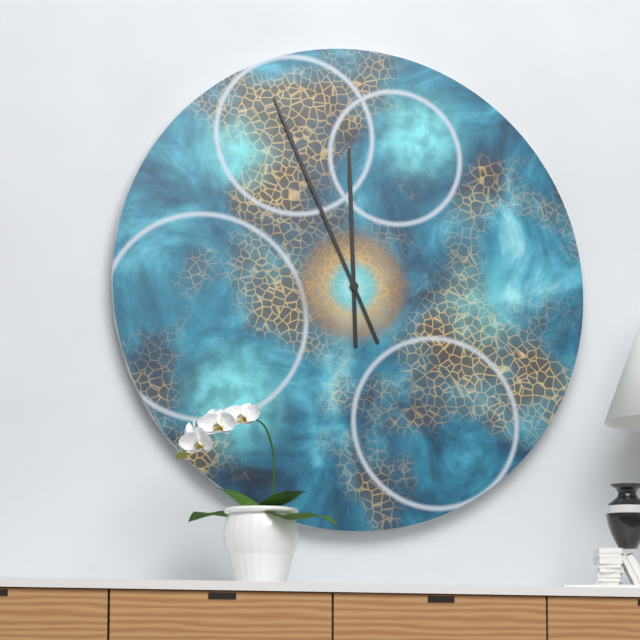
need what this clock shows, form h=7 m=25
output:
h=11 m=56
